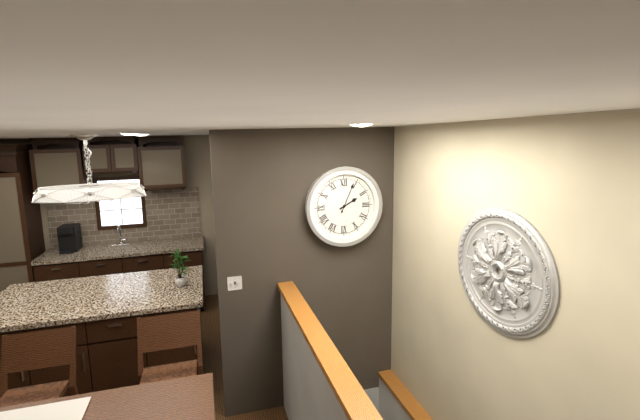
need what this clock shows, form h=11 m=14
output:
h=2 m=4
